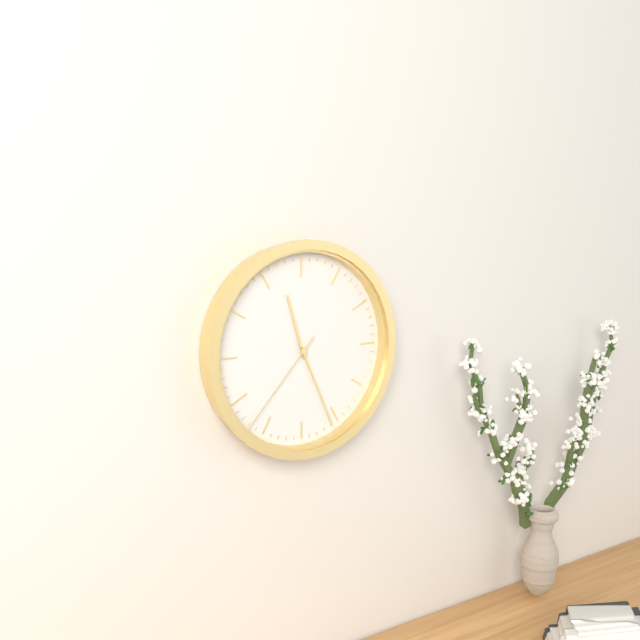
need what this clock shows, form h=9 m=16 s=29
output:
h=11 m=26 s=37
